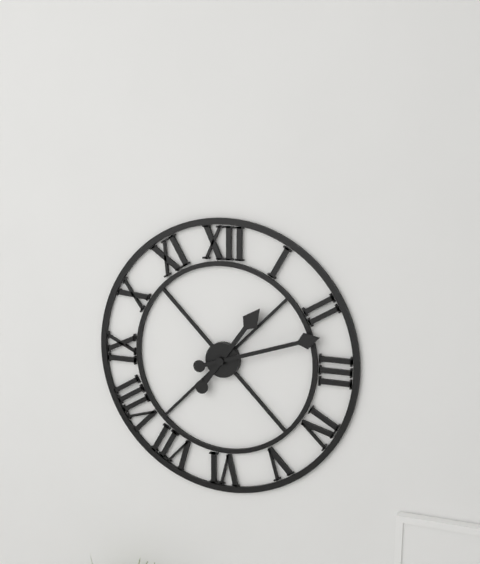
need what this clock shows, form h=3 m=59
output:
h=1 m=12
